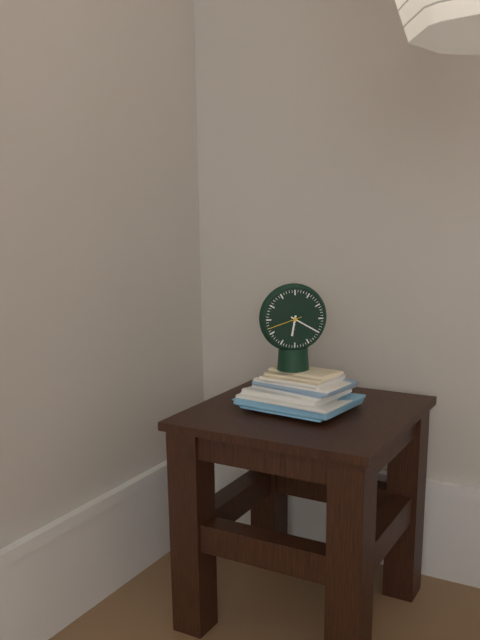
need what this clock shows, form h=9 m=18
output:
h=6 m=20
